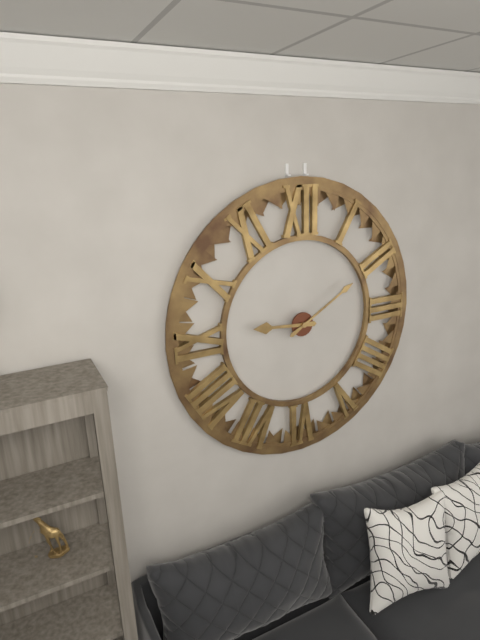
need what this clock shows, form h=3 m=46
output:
h=9 m=10
